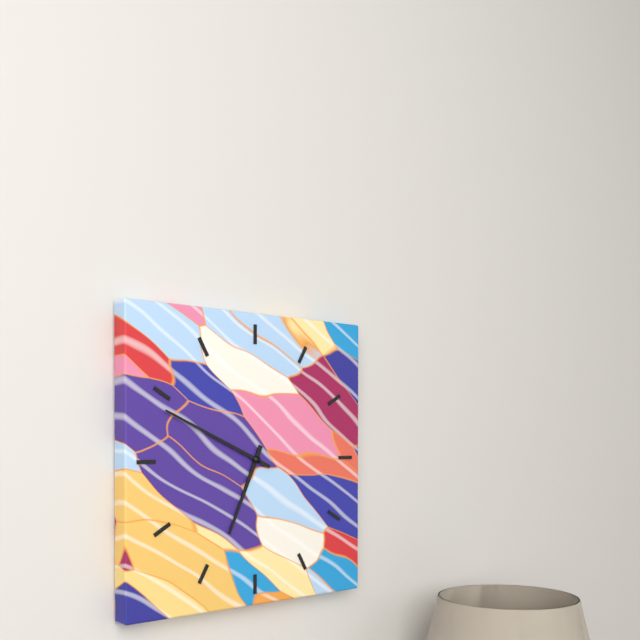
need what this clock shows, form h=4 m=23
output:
h=6 m=49
